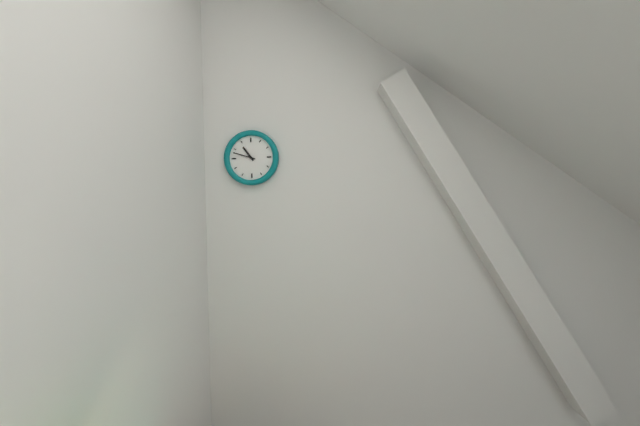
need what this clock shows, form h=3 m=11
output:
h=10 m=48
